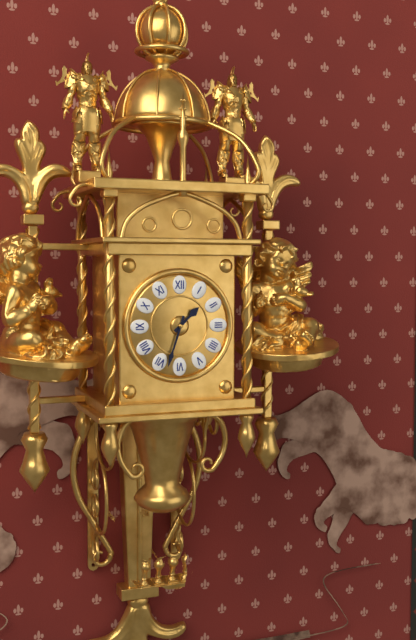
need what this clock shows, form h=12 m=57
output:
h=1 m=33
